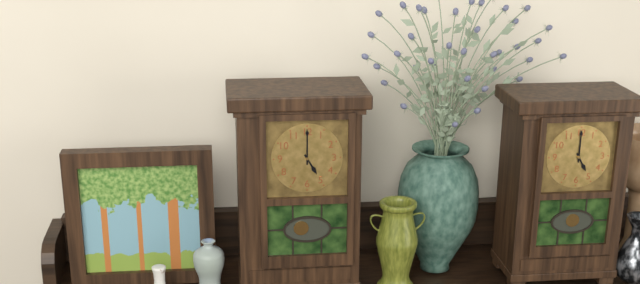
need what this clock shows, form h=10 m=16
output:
h=5 m=0
